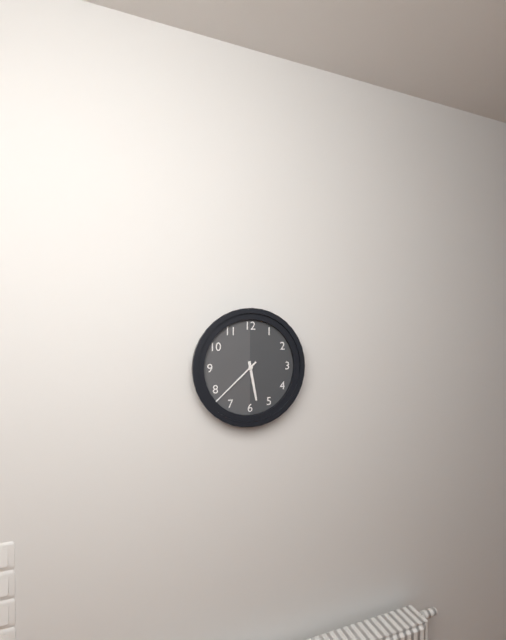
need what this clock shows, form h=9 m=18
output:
h=5 m=38
